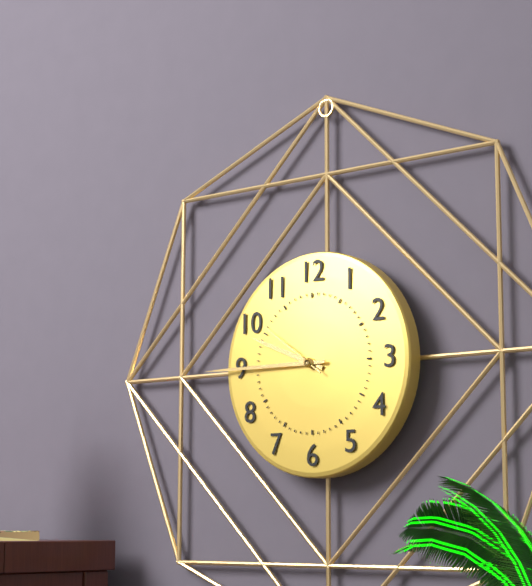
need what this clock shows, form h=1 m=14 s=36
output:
h=9 m=45 s=51
